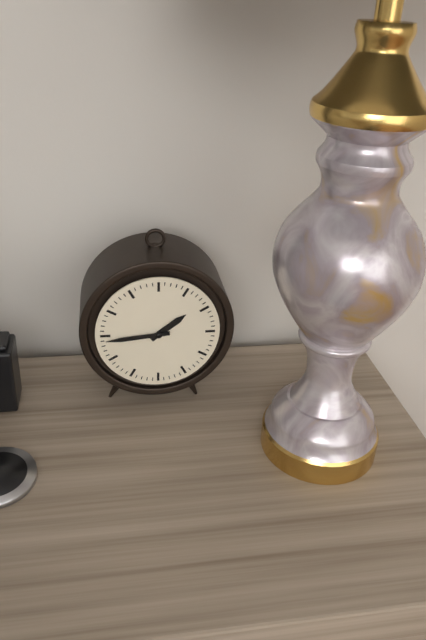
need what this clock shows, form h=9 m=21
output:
h=1 m=44
